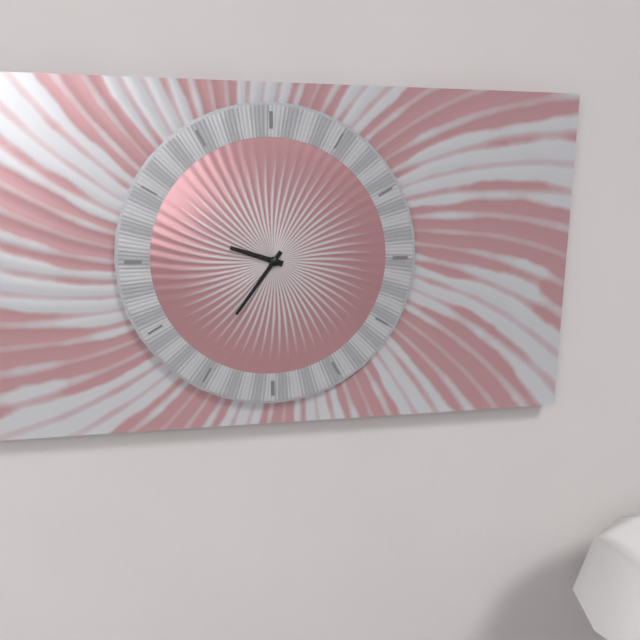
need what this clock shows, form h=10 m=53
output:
h=9 m=36
